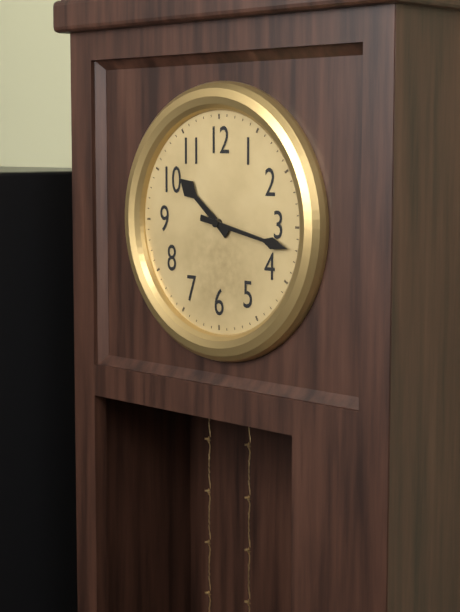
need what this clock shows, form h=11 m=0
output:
h=10 m=17
